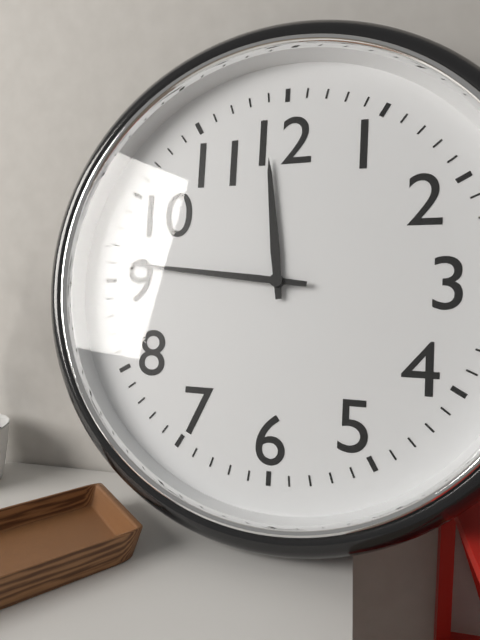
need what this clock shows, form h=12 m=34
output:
h=11 m=46
